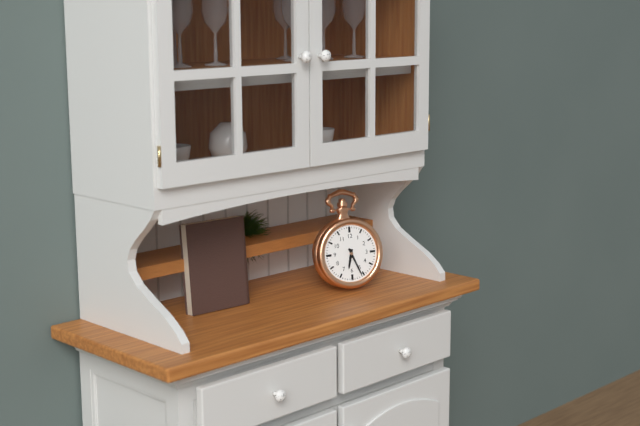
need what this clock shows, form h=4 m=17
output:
h=6 m=26
